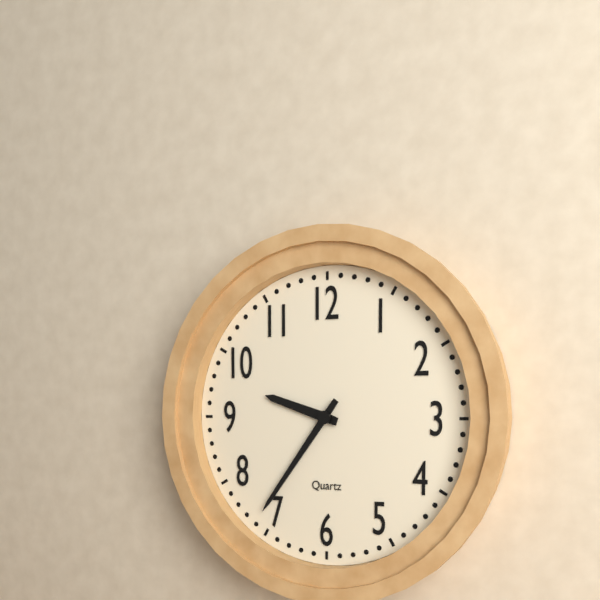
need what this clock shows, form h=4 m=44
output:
h=9 m=36
